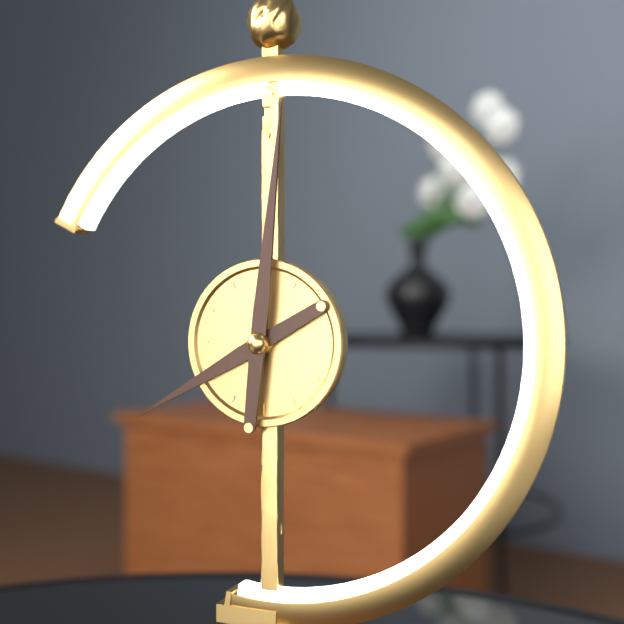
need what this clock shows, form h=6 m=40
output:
h=8 m=1
